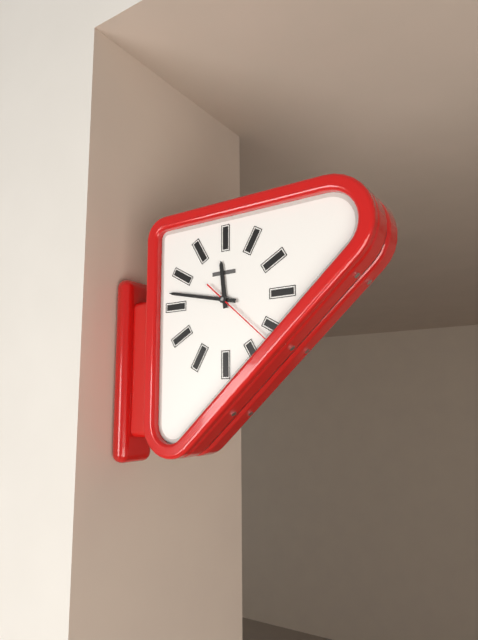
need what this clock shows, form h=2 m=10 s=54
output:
h=11 m=47 s=22
